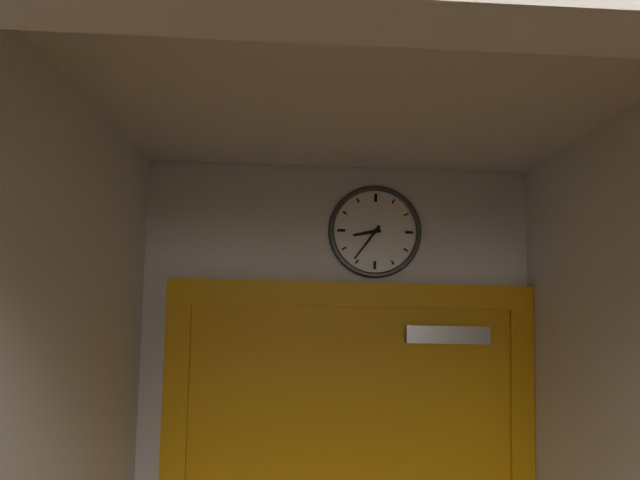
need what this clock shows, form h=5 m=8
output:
h=8 m=36
